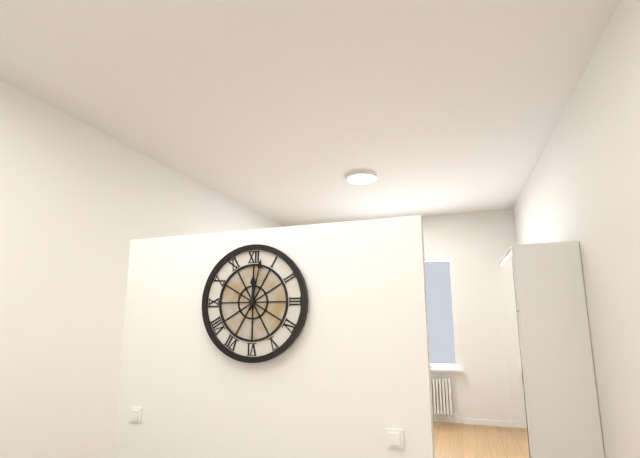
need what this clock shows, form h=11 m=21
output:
h=12 m=2
